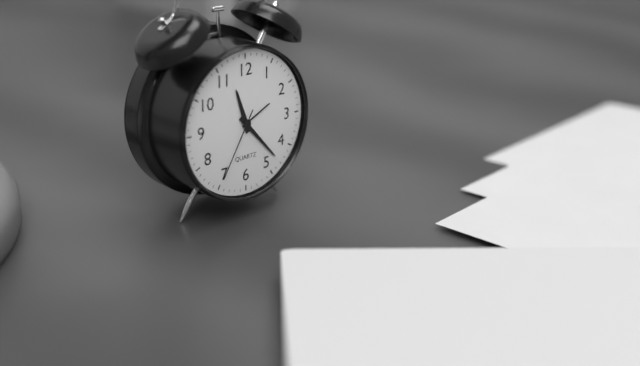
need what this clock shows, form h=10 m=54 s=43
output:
h=11 m=23 s=35
